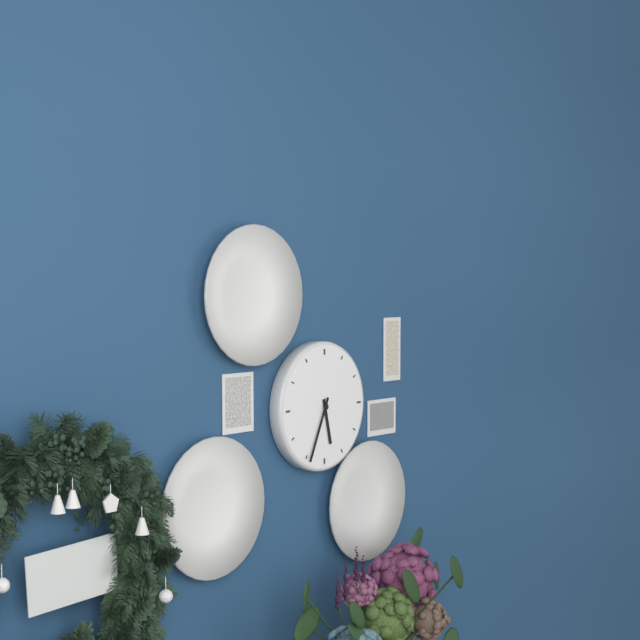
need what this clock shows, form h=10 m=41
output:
h=5 m=34
